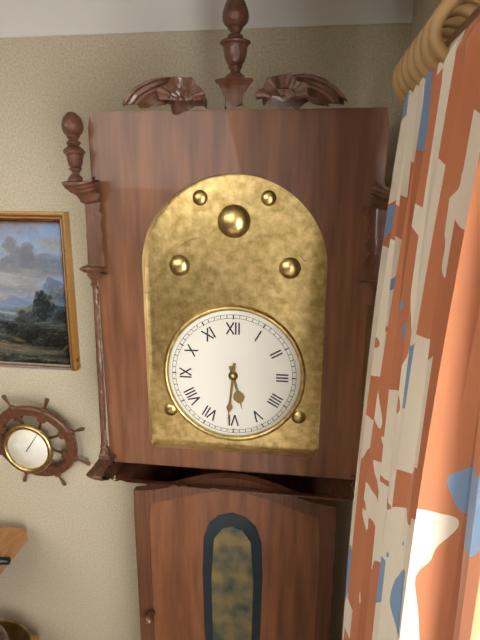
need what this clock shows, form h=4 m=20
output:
h=5 m=31
